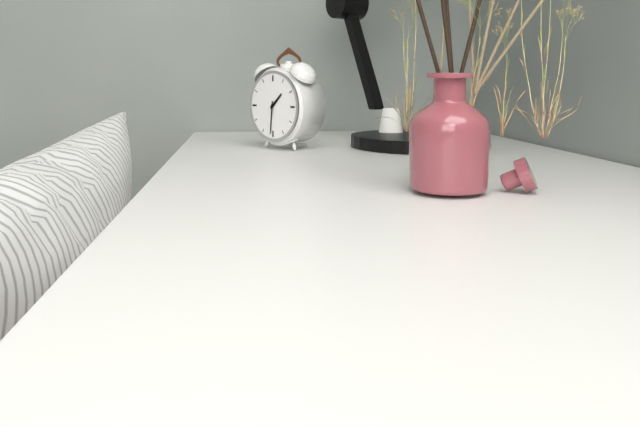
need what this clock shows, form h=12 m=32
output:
h=1 m=31
